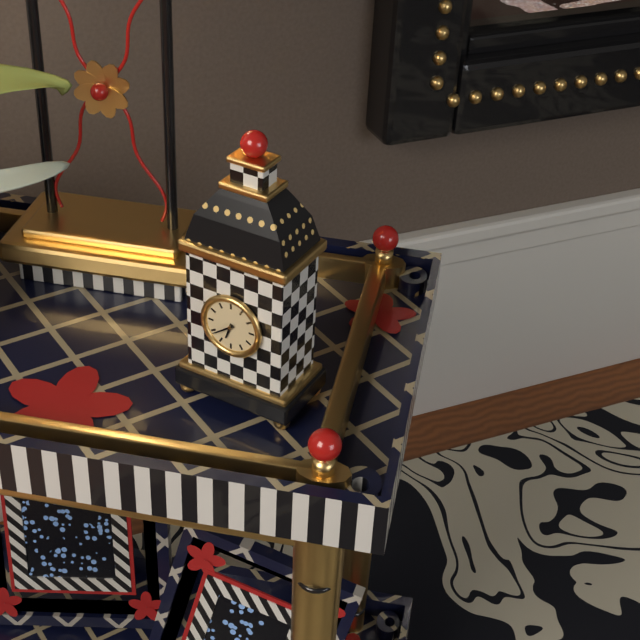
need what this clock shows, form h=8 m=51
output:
h=6 m=39
